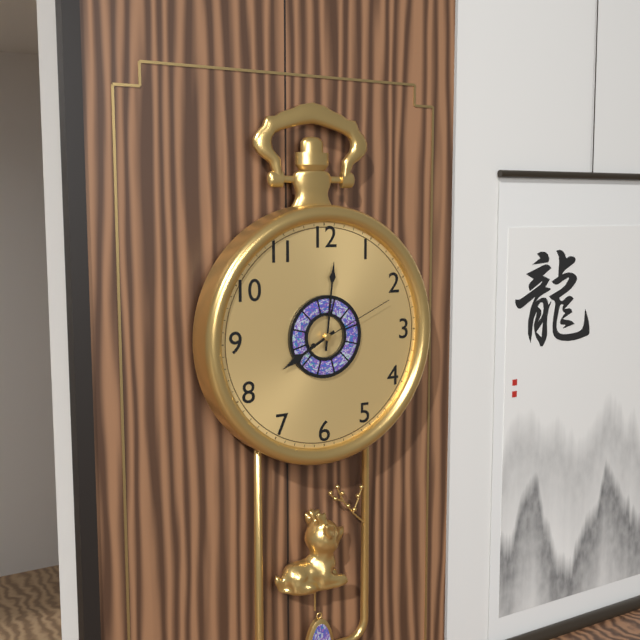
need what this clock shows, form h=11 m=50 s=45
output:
h=8 m=1 s=11
